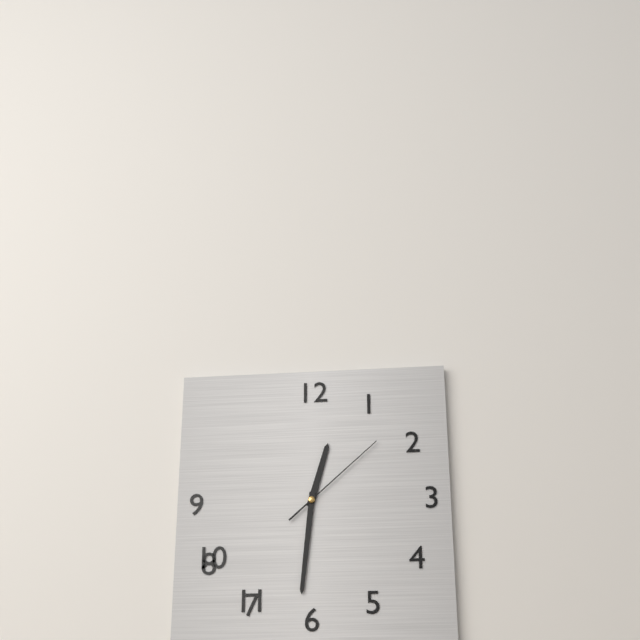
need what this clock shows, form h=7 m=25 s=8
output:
h=12 m=31 s=8
